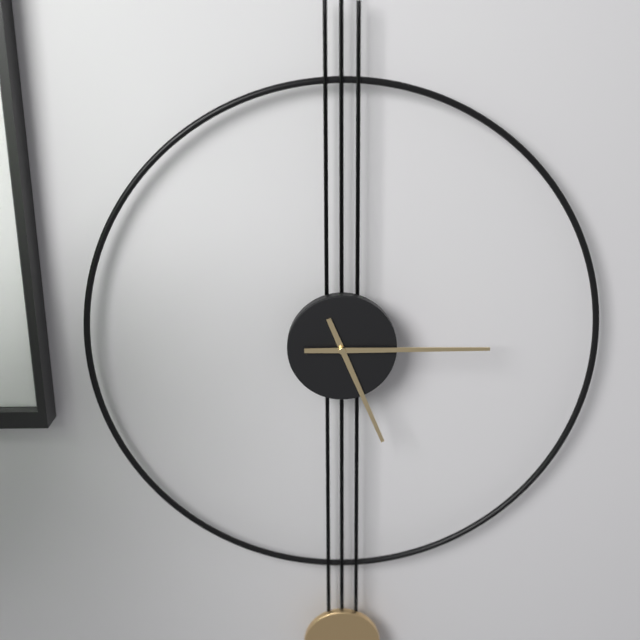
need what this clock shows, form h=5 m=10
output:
h=5 m=15
